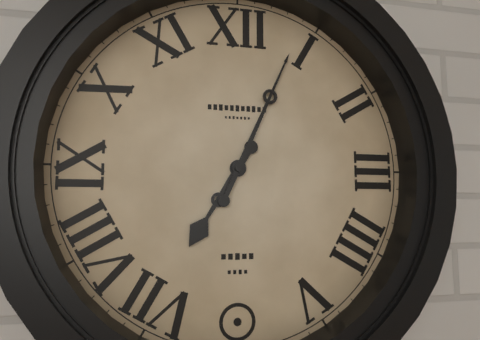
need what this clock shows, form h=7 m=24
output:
h=7 m=4
